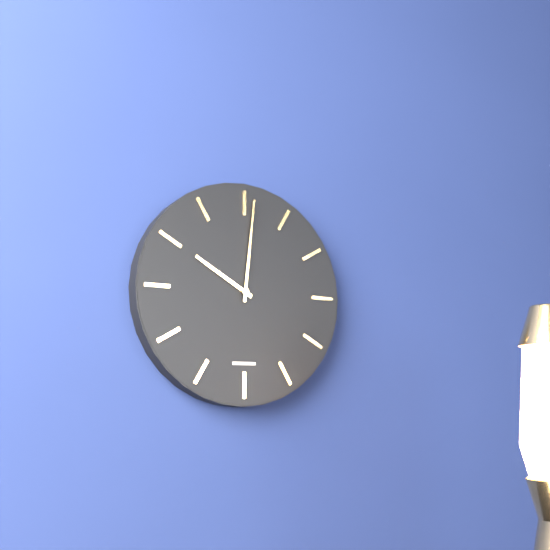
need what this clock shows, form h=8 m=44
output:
h=10 m=1
